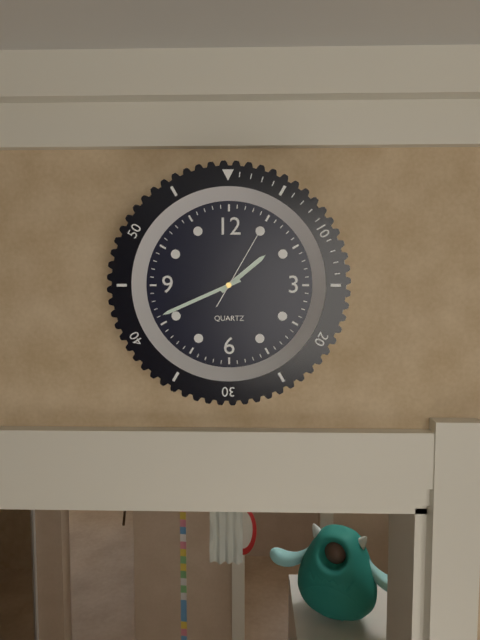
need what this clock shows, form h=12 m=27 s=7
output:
h=1 m=41 s=5
